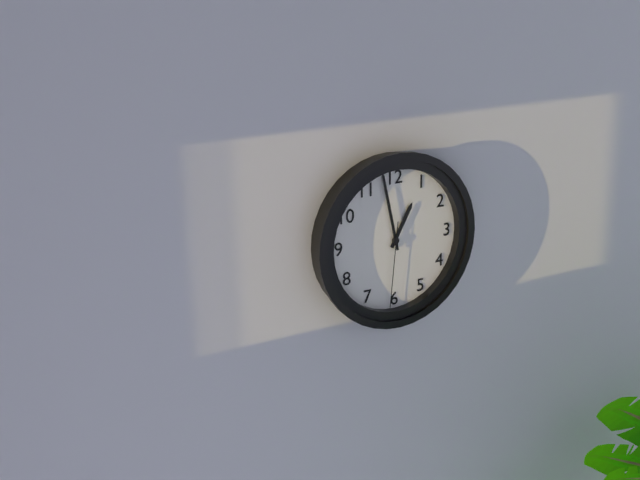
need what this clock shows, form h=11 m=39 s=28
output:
h=12 m=58 s=31
